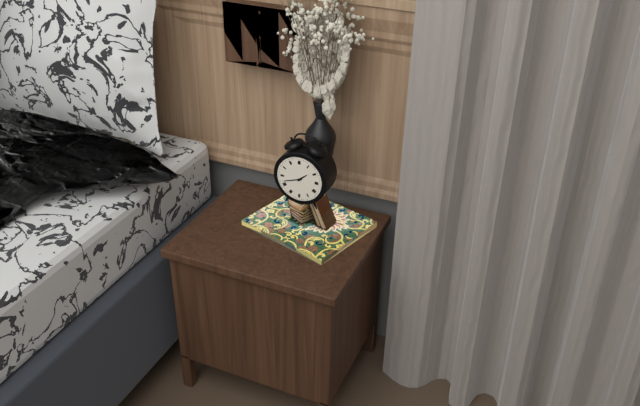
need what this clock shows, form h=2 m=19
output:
h=1 m=42
